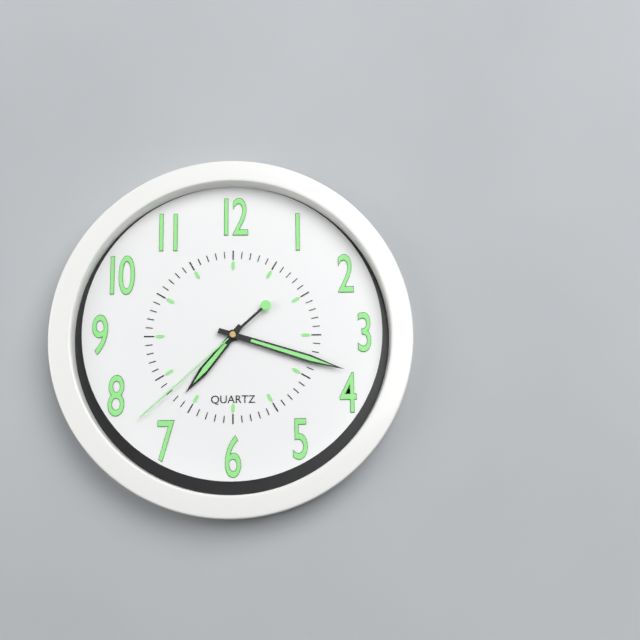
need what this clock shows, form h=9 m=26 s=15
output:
h=7 m=18 s=38
